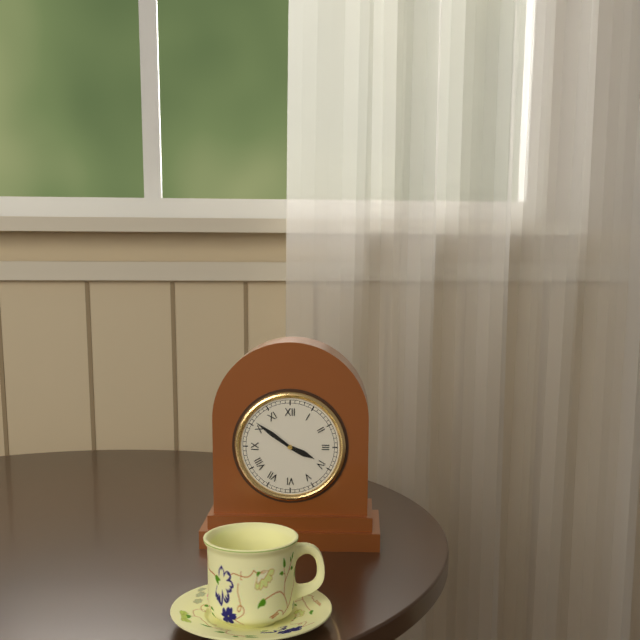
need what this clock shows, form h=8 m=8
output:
h=3 m=51
